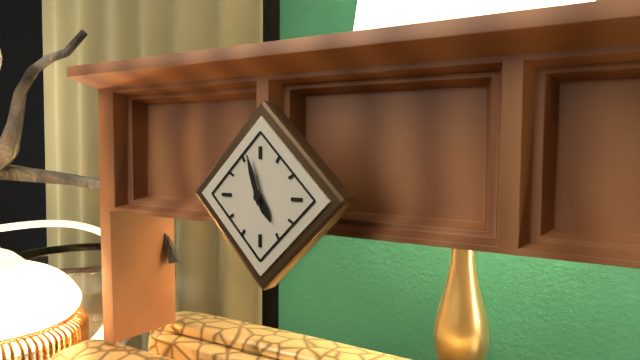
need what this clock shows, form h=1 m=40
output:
h=4 m=57
